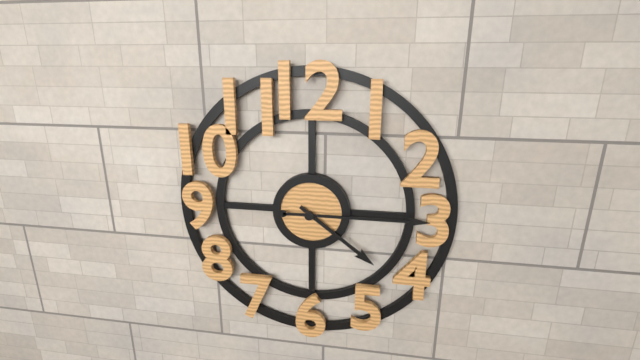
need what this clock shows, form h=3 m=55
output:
h=4 m=15
